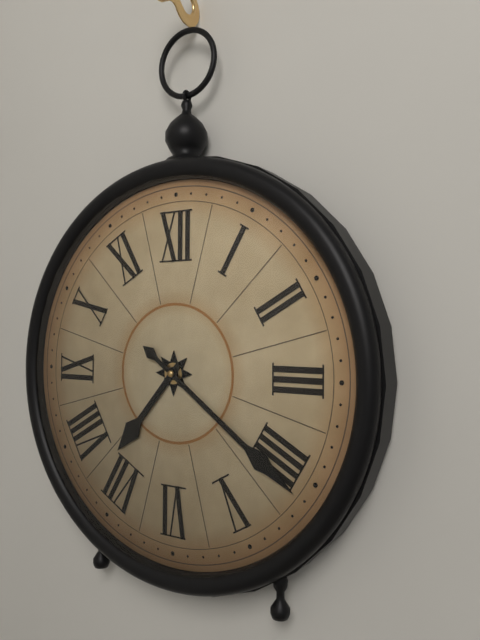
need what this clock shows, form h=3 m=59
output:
h=7 m=21
